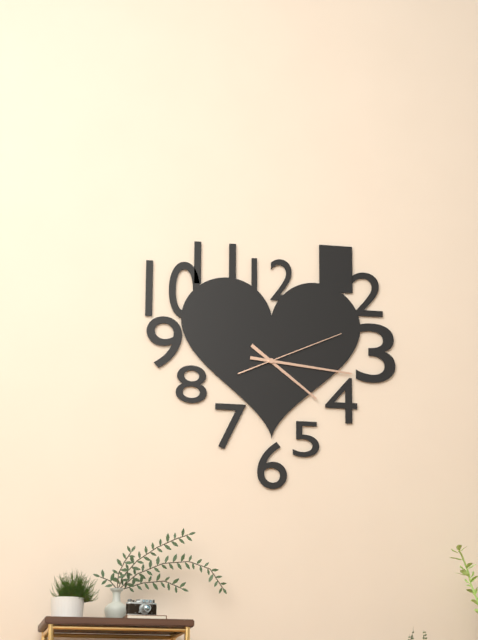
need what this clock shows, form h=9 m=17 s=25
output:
h=4 m=16 s=11
